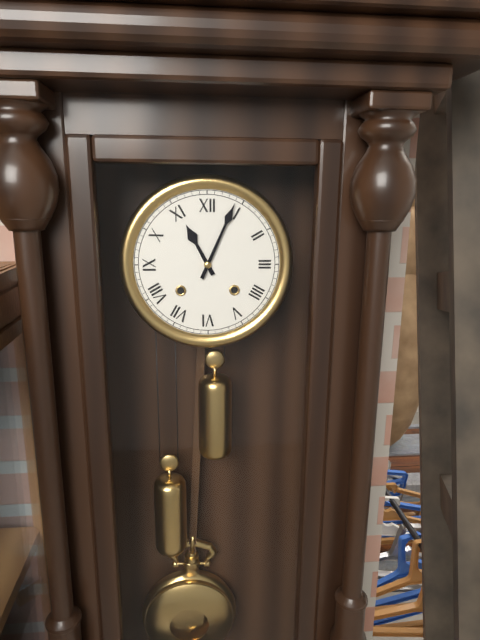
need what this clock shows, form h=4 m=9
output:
h=11 m=4
